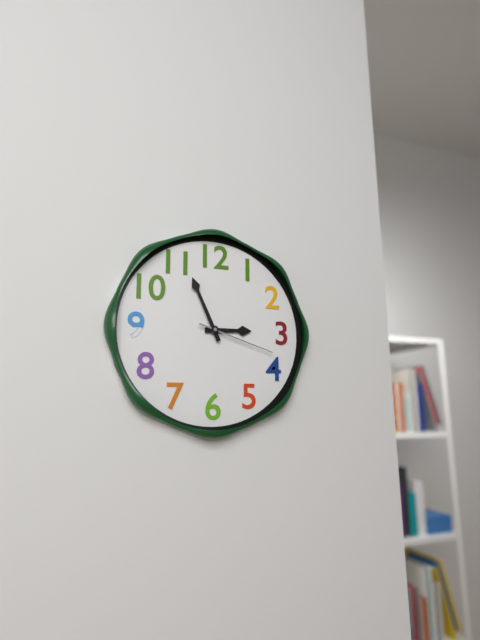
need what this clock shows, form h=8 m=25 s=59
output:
h=2 m=56 s=18
